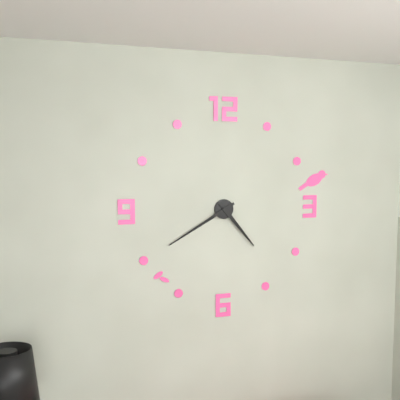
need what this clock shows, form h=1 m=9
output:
h=4 m=40
